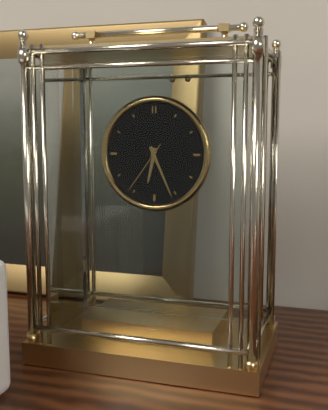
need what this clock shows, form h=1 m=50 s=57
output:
h=6 m=26 s=36
